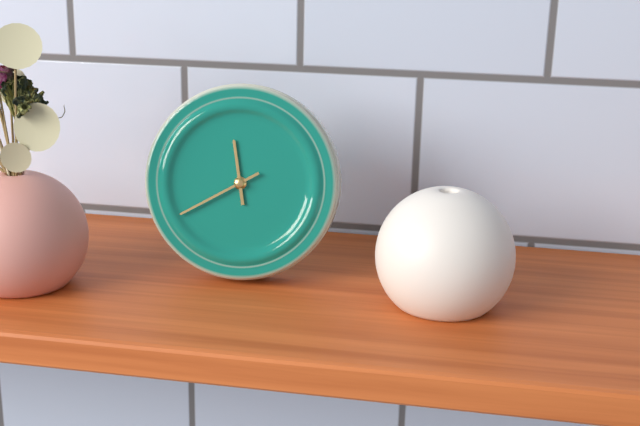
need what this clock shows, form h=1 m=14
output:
h=11 m=40
